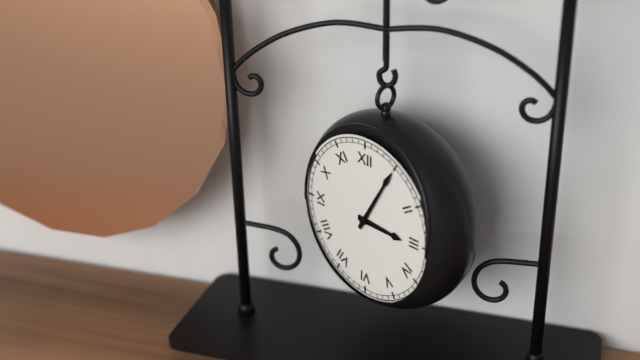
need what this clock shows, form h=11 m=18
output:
h=3 m=5
